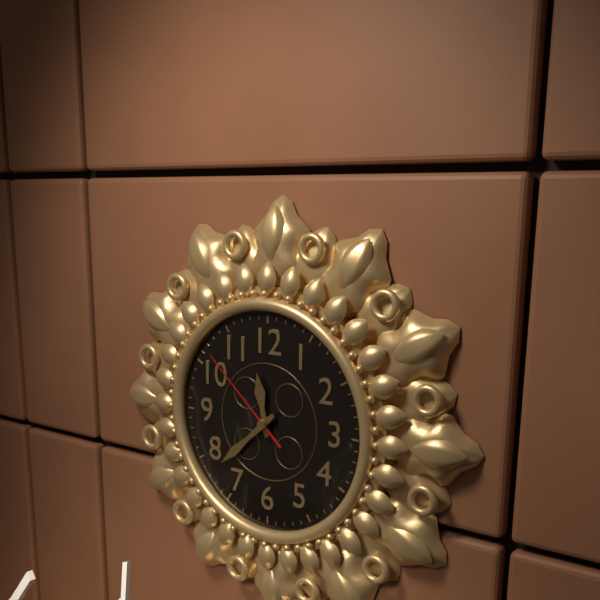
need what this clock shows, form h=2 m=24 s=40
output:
h=11 m=38 s=52
